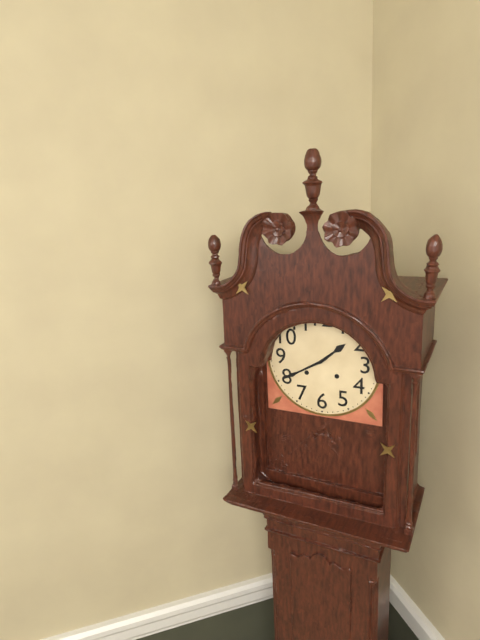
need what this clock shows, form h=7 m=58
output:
h=1 m=40
